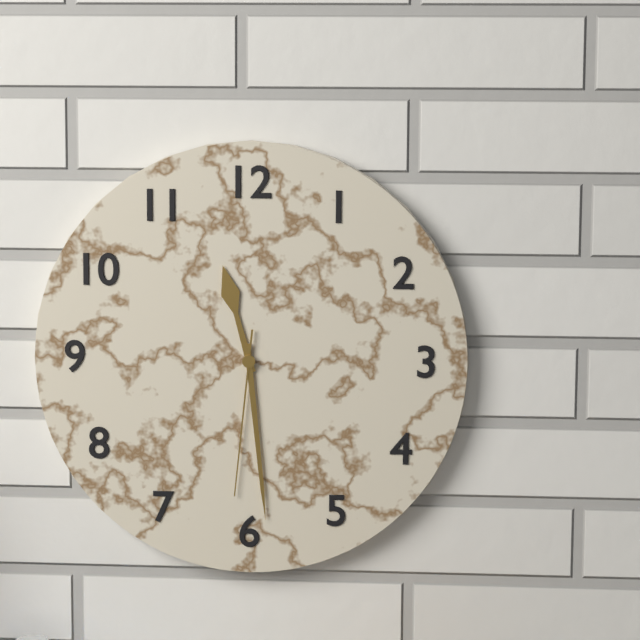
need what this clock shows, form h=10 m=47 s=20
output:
h=11 m=29 s=31
